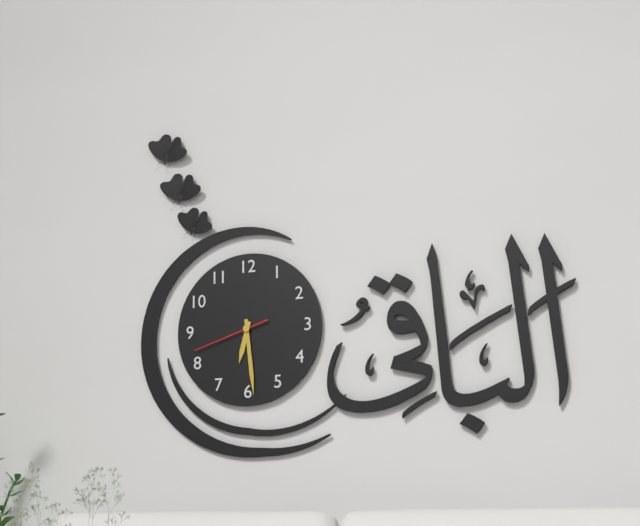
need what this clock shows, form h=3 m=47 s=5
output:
h=6 m=29 s=42
